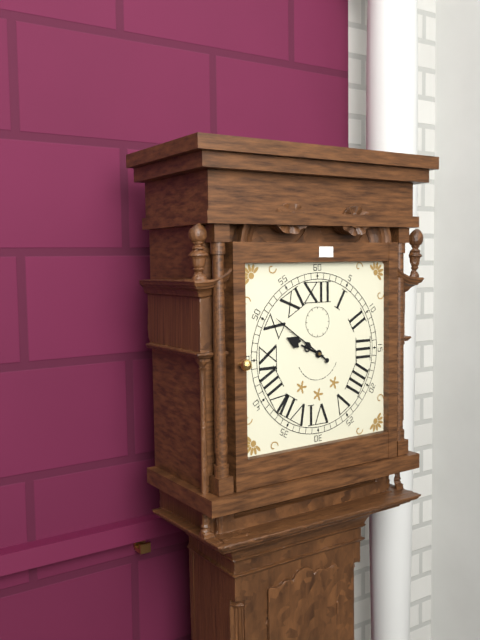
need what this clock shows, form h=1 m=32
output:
h=9 m=51
